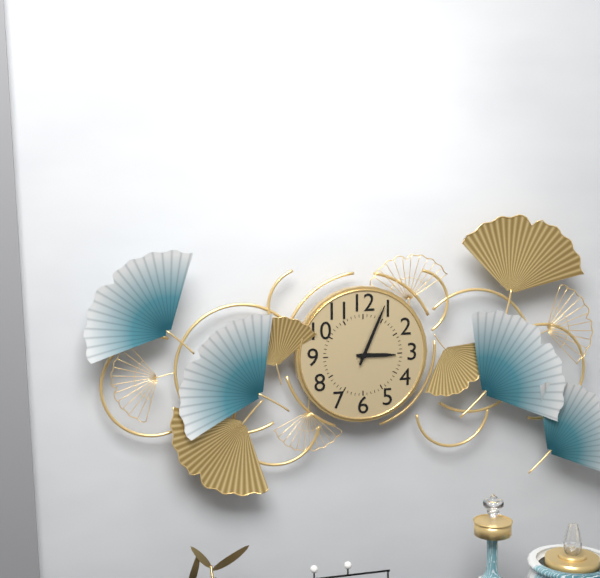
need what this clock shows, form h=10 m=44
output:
h=3 m=4
